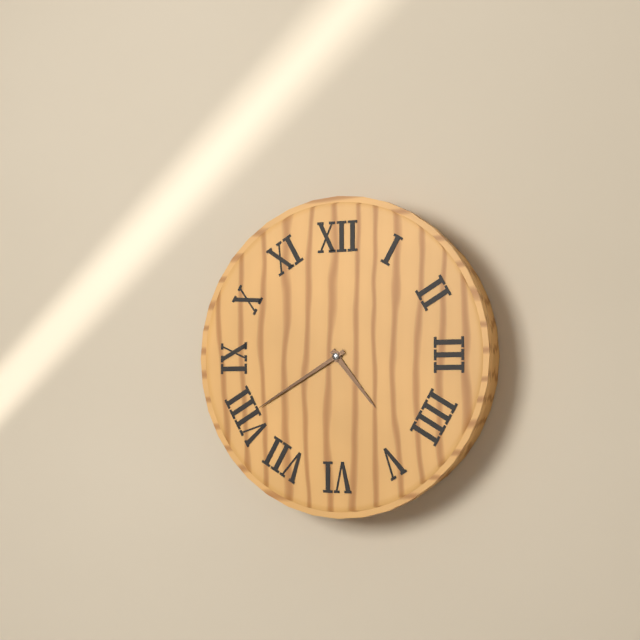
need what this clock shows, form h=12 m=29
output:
h=4 m=40
